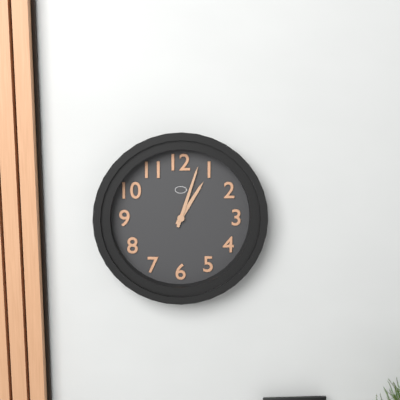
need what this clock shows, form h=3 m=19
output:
h=1 m=3
